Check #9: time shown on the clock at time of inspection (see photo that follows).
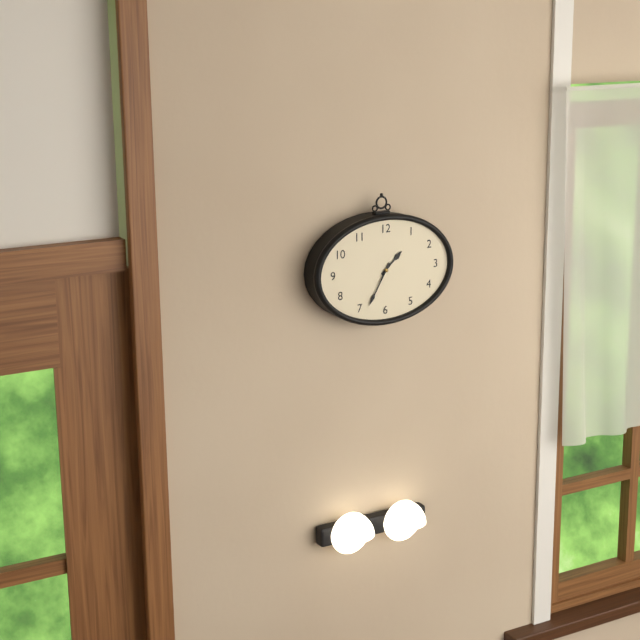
1:35
